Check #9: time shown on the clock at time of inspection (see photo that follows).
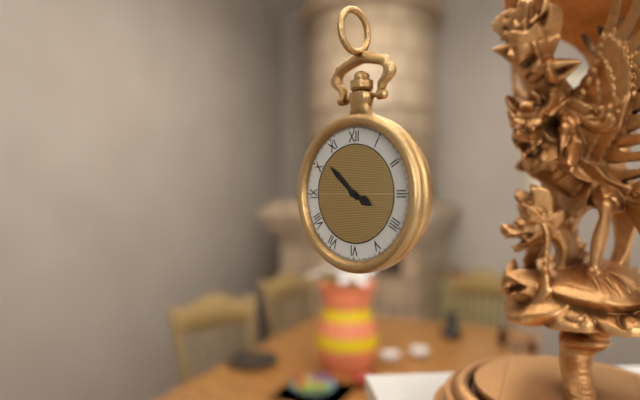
3:52
